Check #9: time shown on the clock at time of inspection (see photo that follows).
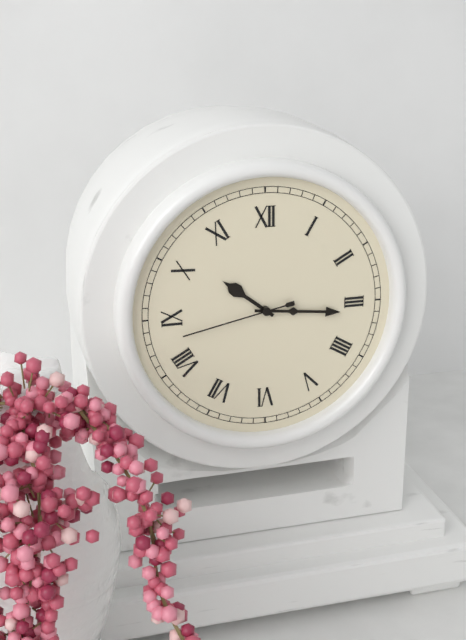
10:16:43
